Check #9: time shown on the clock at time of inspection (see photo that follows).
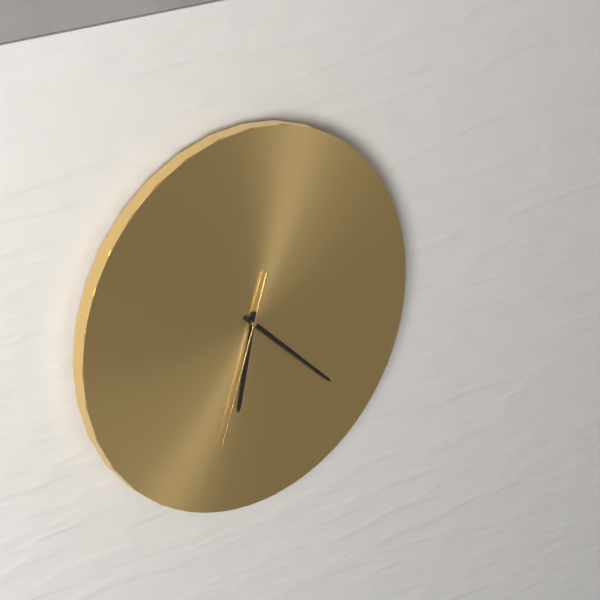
6:22:33
